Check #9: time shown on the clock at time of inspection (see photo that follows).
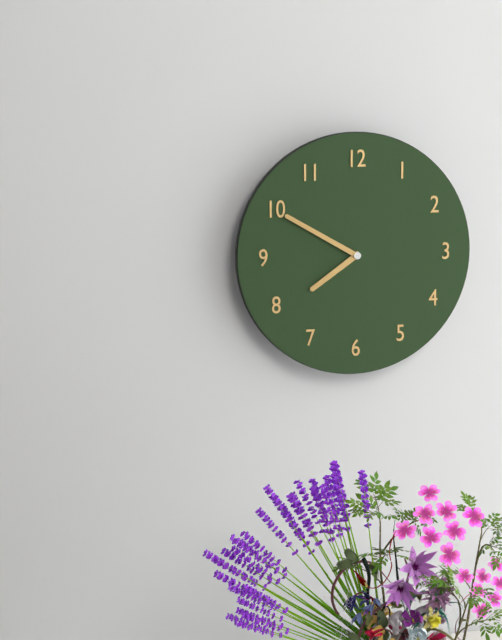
7:50
